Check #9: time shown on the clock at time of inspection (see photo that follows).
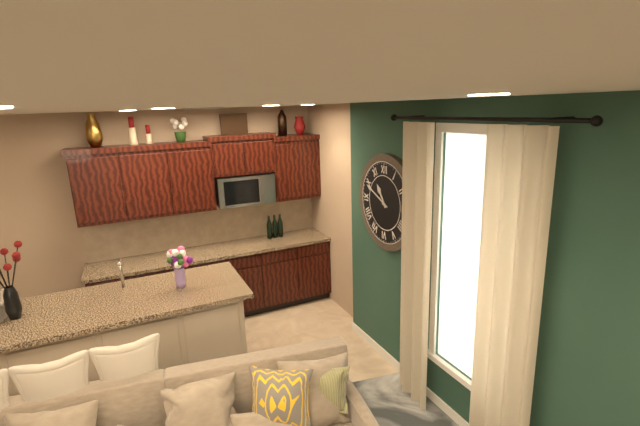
10:49
